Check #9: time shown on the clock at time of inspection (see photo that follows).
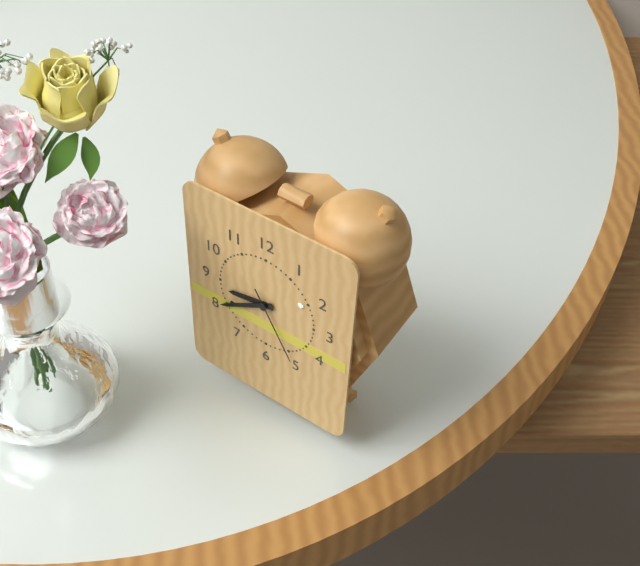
8:40:25
